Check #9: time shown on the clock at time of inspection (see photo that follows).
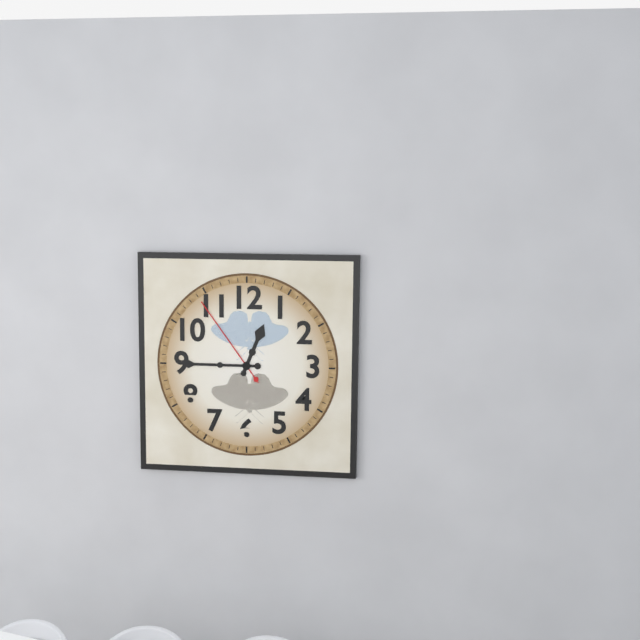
12:45:54
